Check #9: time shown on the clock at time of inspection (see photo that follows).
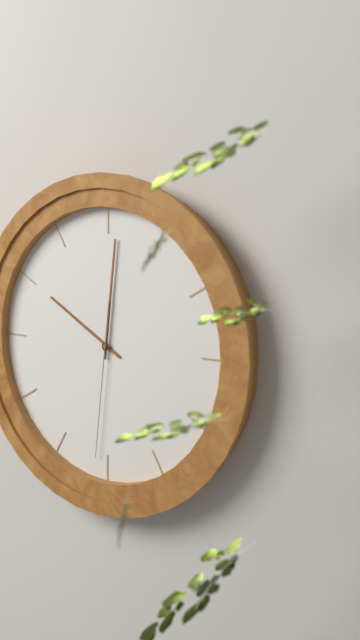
10:01:31
